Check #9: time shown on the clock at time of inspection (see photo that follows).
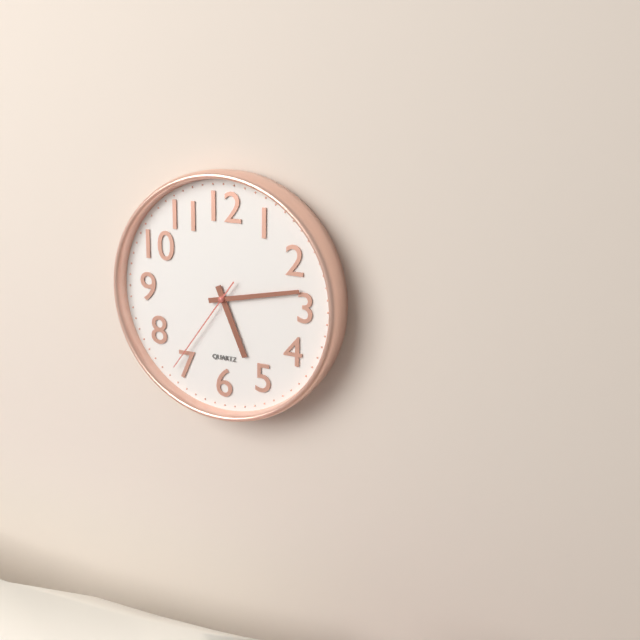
5:13:36
